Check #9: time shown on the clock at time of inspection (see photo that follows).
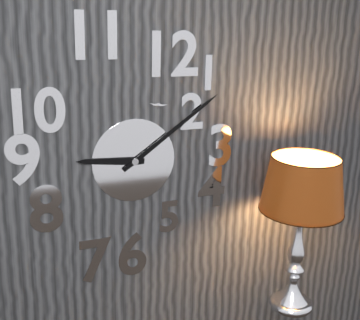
9:09
